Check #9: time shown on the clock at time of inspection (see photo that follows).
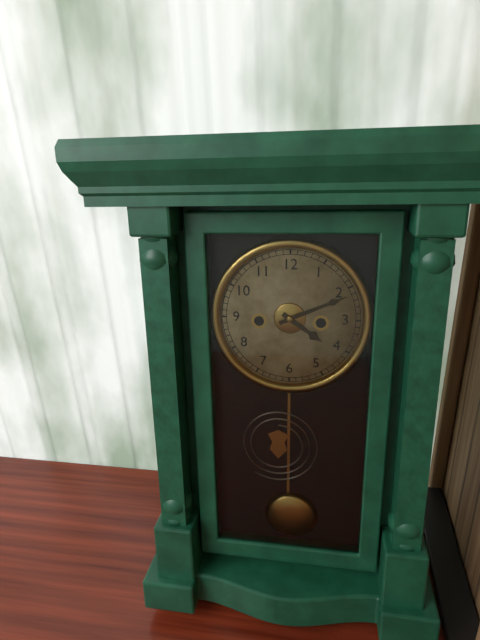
4:11
